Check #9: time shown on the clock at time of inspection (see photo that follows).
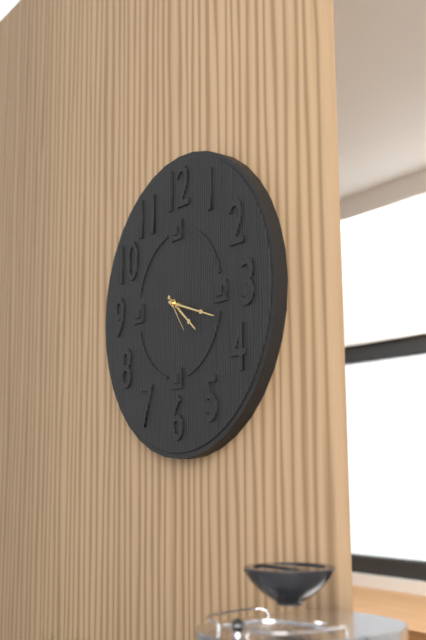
4:18
